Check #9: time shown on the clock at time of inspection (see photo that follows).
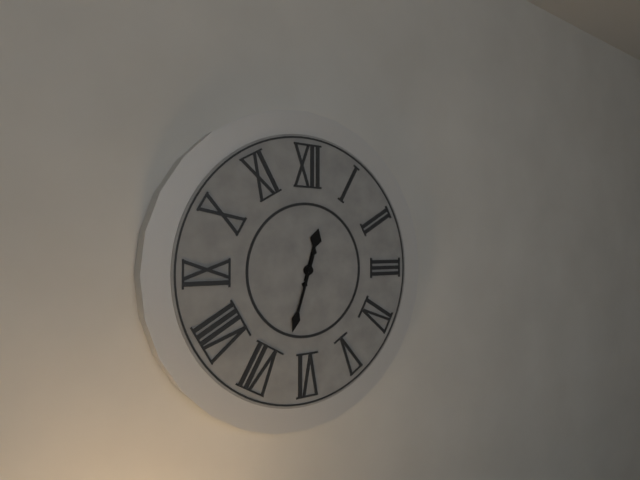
12:33
